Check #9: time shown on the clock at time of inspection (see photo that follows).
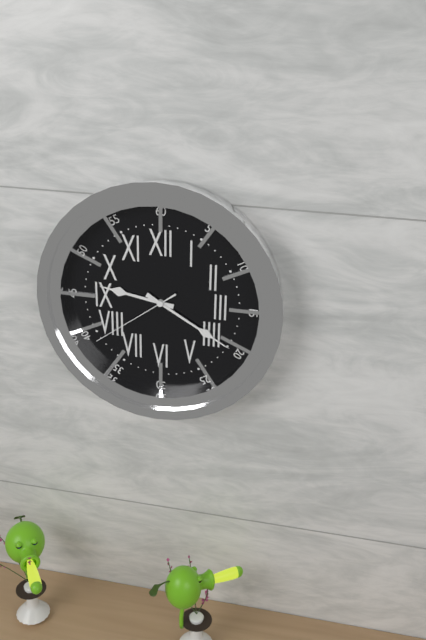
9:20:39
